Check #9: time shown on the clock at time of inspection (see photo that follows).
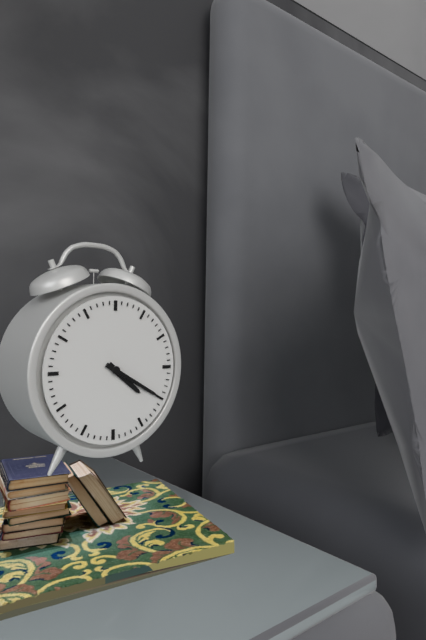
4:20
